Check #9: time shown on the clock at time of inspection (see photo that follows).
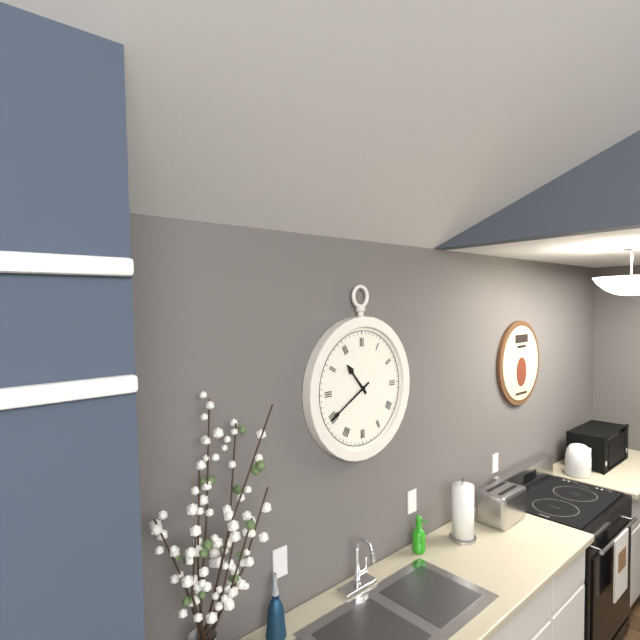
10:40
